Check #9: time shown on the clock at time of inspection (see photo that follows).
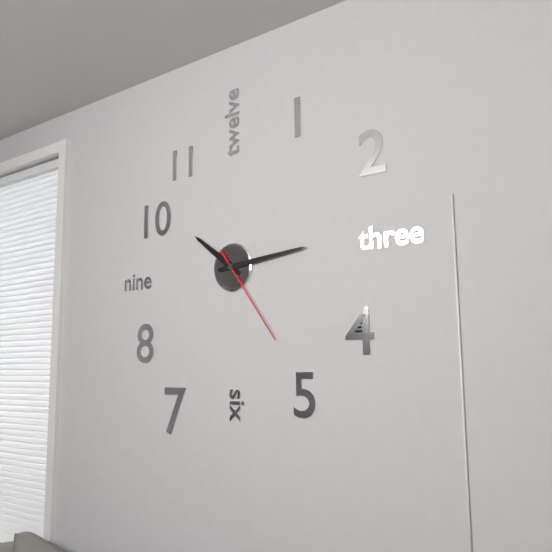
10:14:24
